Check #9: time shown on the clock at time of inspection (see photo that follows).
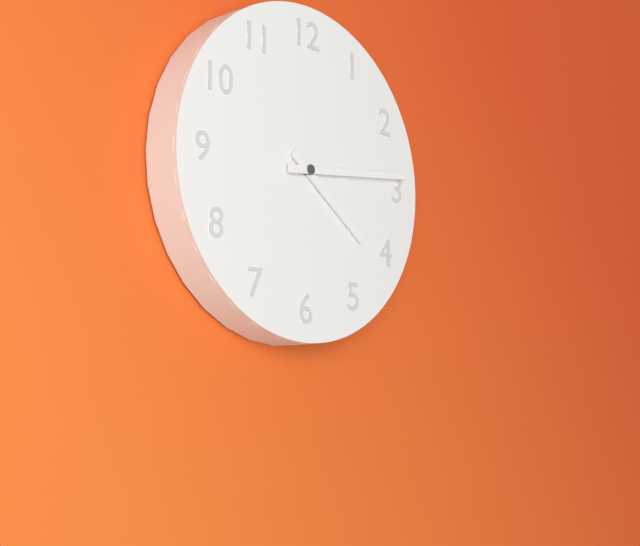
4:14
